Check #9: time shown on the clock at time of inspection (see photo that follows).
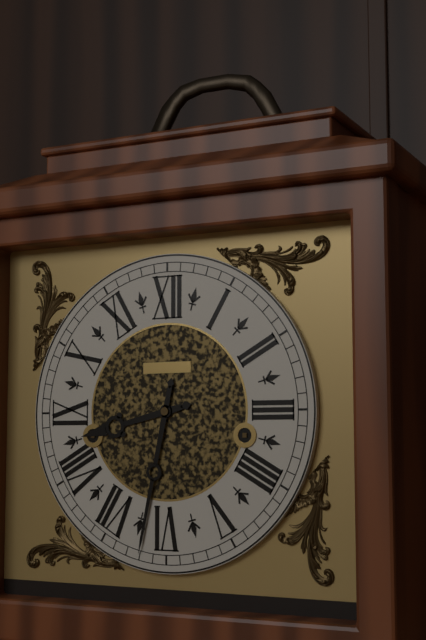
8:32
